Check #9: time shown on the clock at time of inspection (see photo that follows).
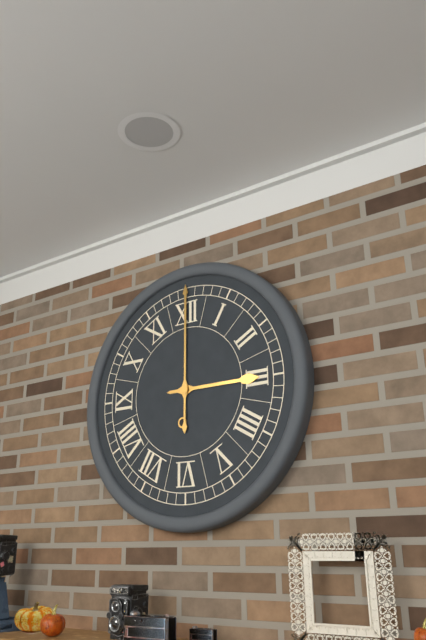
3:00
